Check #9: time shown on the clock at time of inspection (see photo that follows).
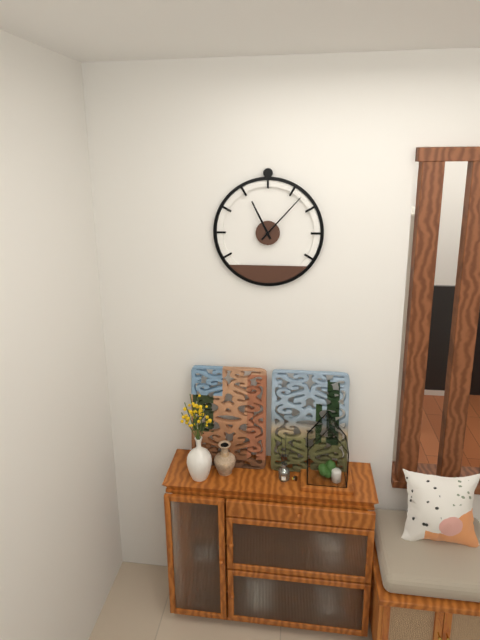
11:07
